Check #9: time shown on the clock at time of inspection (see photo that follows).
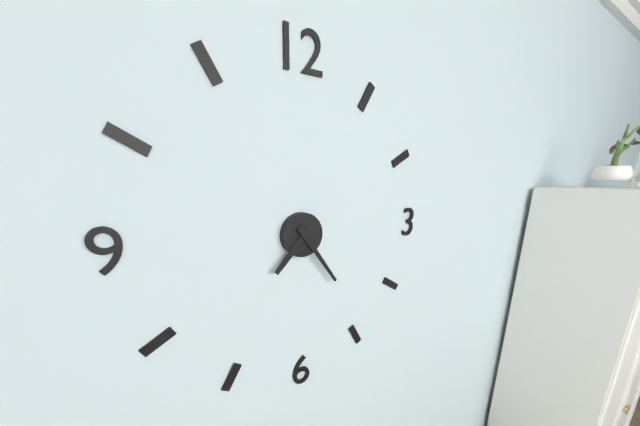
7:24
